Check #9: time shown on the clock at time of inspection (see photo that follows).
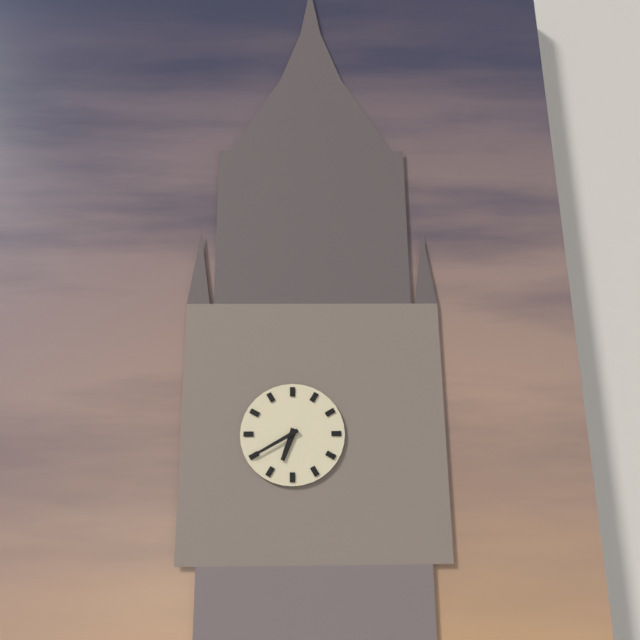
6:40
